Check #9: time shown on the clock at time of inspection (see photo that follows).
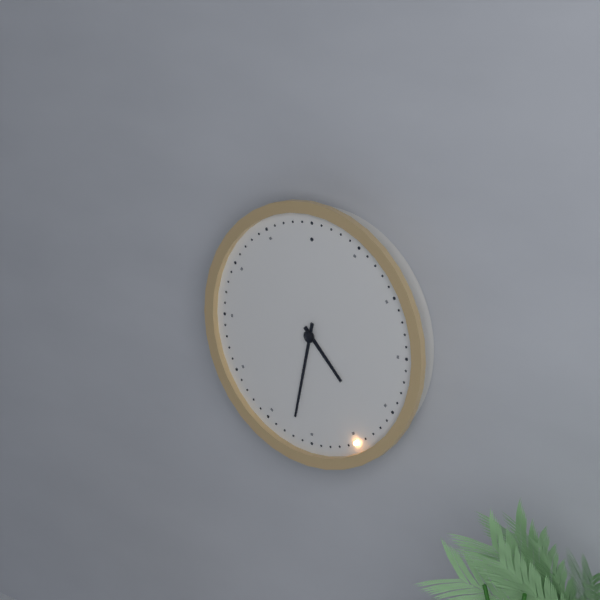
4:32
